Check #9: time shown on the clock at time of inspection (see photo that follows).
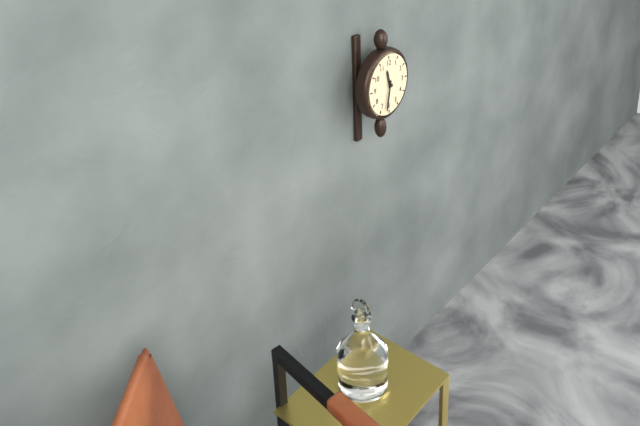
11:32
